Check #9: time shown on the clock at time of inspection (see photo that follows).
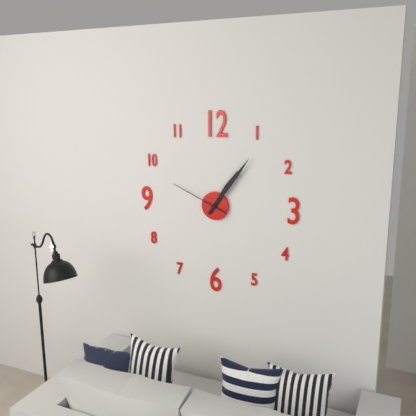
1:06:49
